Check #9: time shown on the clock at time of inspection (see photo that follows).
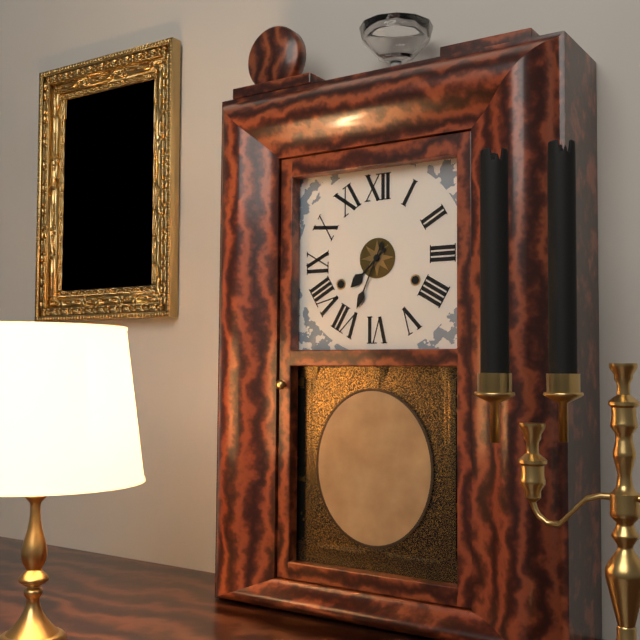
7:34
